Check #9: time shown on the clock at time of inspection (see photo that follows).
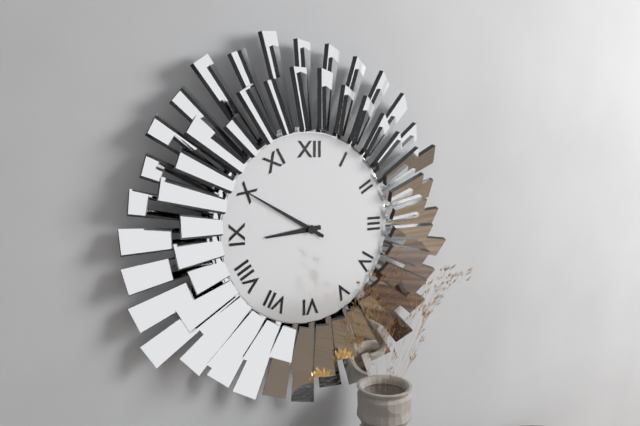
8:50
